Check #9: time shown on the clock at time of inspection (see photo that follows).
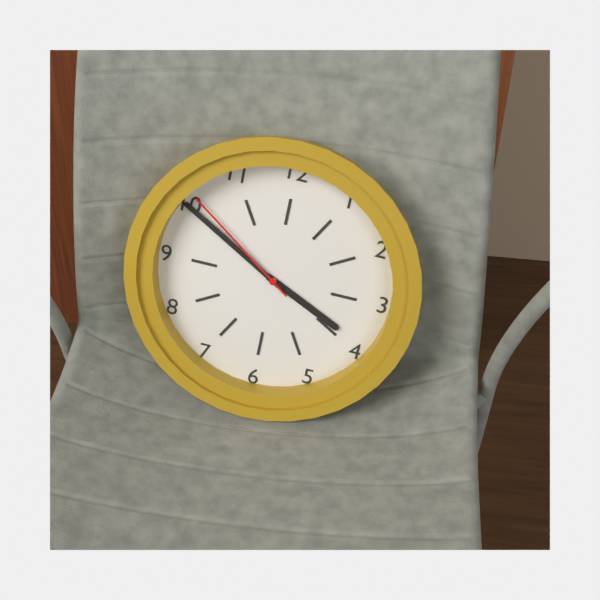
3:50:51
